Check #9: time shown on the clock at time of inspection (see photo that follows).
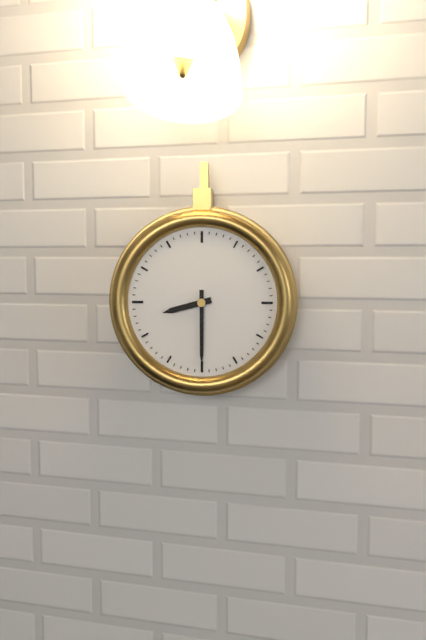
8:30
